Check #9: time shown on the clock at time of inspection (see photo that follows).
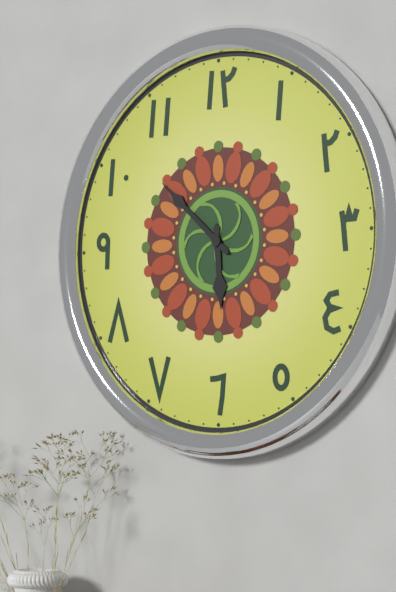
5:52
